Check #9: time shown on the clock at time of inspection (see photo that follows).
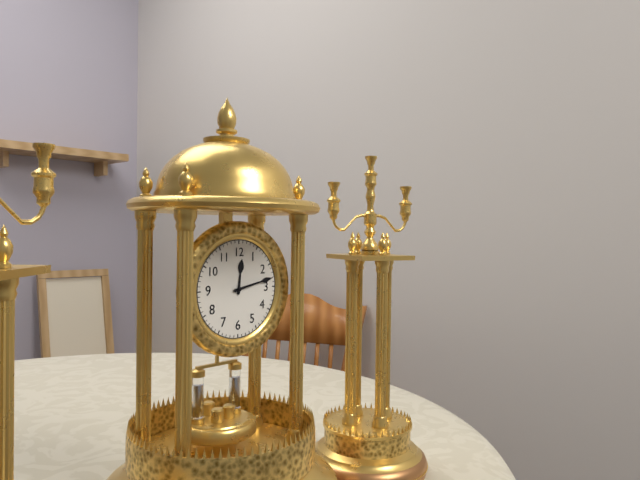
12:13
